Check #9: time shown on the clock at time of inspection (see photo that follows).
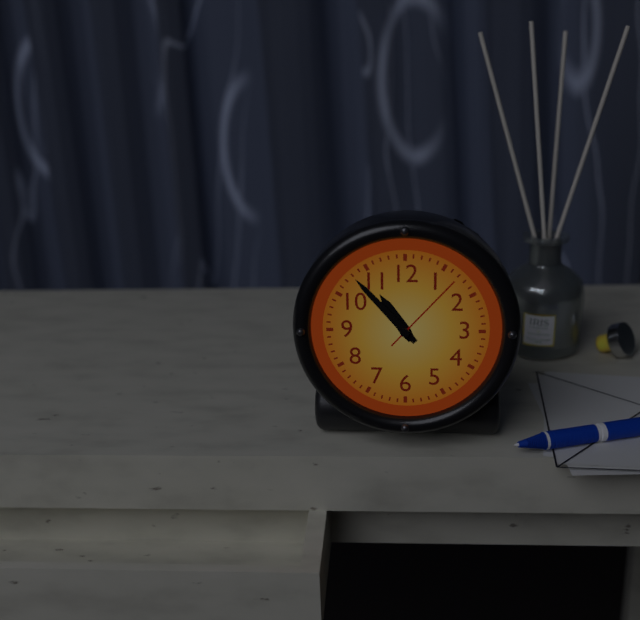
10:53:07
